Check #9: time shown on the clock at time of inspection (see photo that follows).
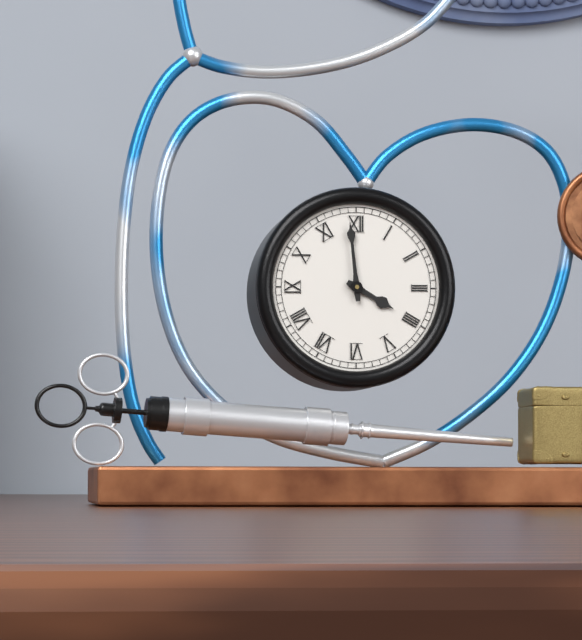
3:59
